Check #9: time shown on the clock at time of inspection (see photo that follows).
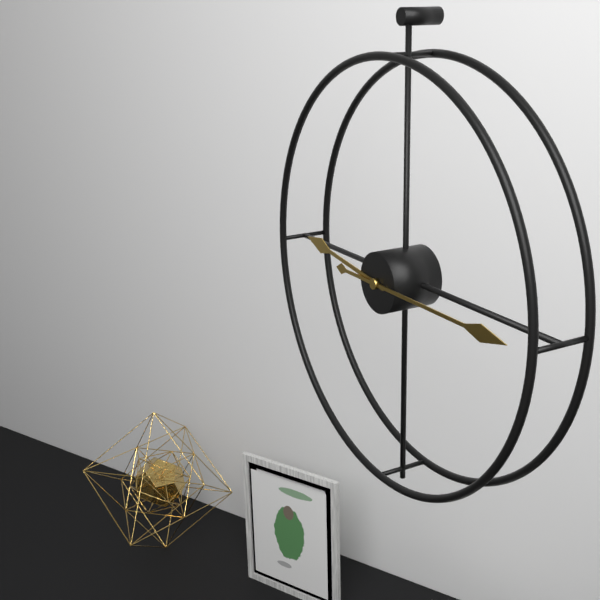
9:15
